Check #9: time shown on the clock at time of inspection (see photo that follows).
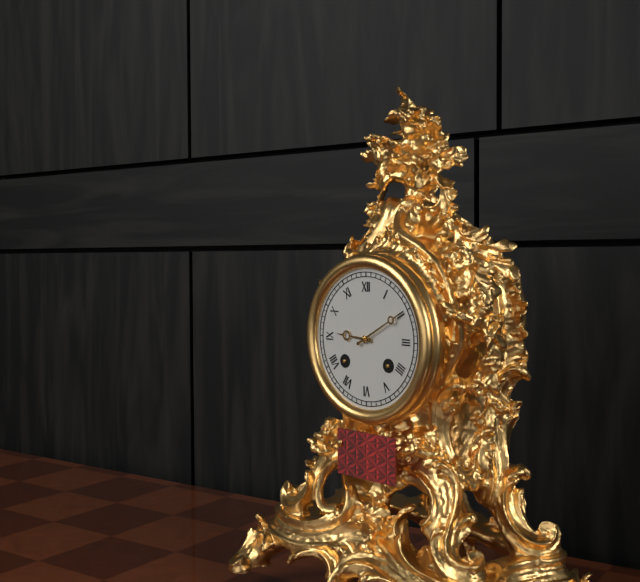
9:10
